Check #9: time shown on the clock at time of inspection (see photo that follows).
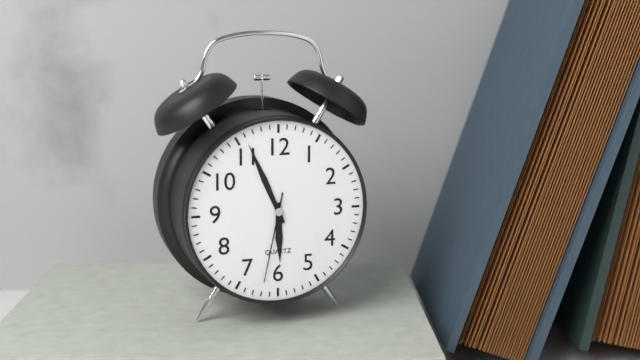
5:56:32
